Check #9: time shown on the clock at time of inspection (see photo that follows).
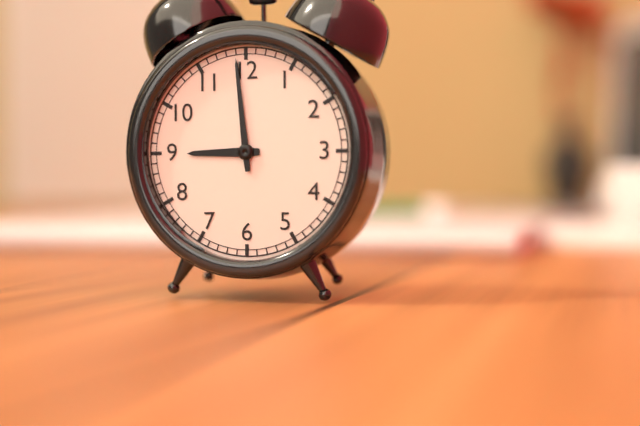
8:59
